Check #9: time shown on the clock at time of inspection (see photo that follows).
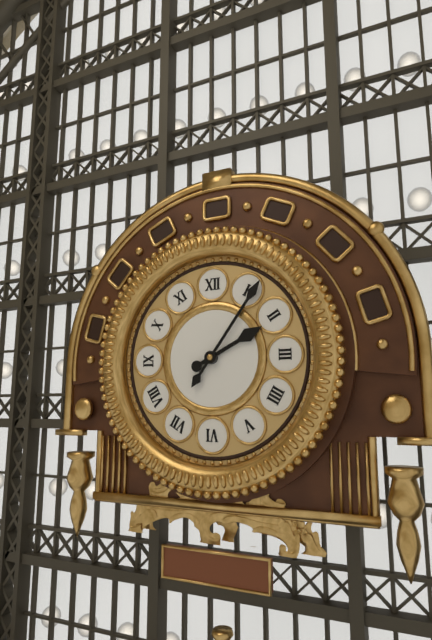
2:06
